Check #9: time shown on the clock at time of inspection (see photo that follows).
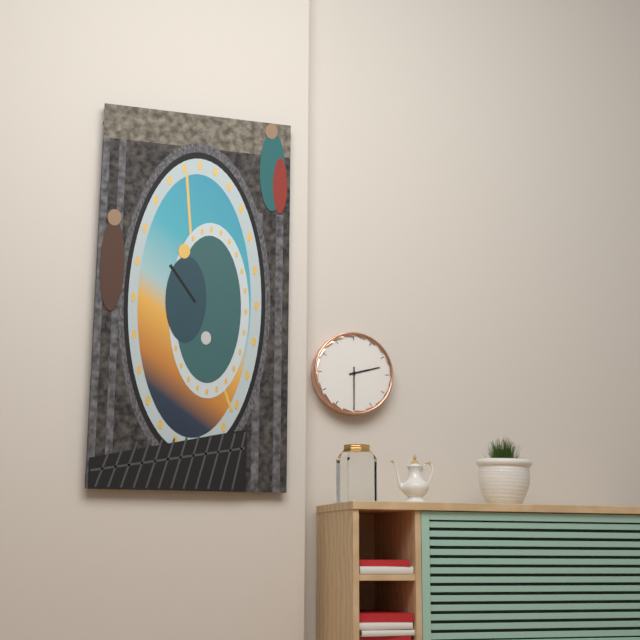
2:30
